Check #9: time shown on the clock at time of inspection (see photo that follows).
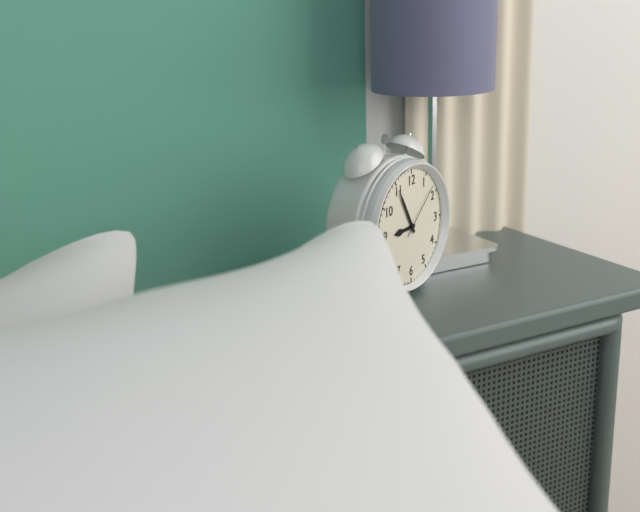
8:55:08
